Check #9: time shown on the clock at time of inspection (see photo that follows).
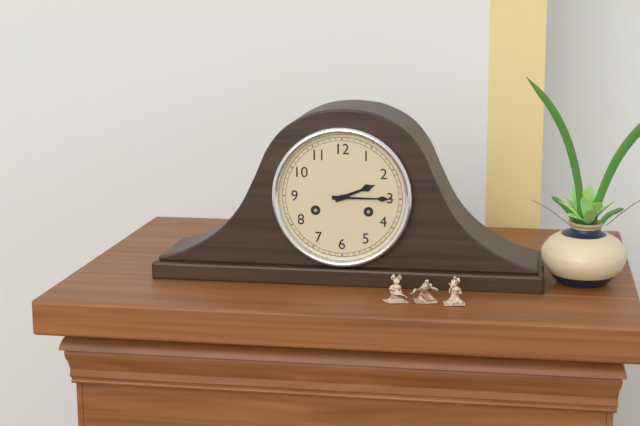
2:15
